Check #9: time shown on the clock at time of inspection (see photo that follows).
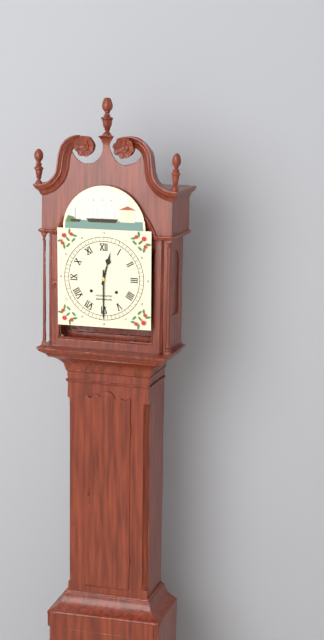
12:30
